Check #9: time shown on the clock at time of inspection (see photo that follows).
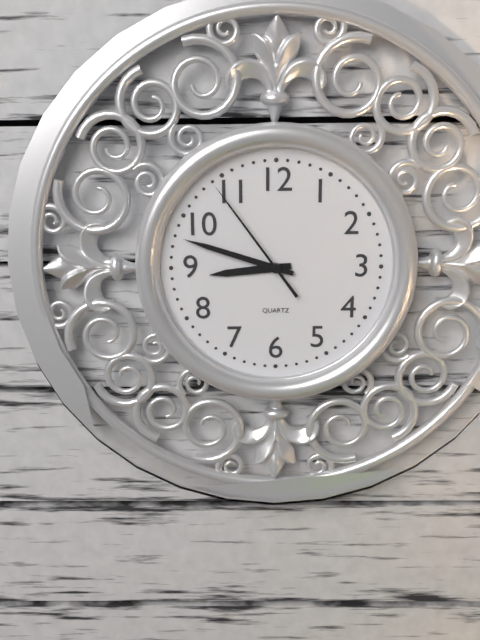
8:48:54
